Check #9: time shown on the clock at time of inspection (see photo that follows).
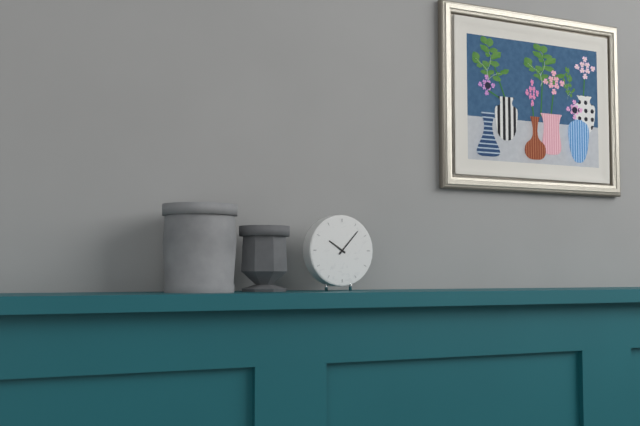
10:07
